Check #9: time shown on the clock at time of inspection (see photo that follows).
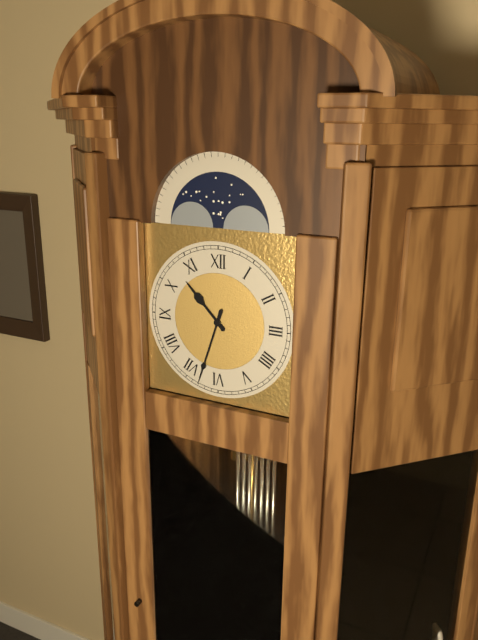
10:33
